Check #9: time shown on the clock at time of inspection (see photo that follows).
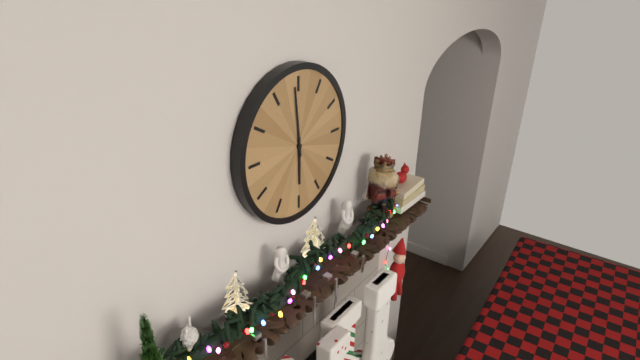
5:59
